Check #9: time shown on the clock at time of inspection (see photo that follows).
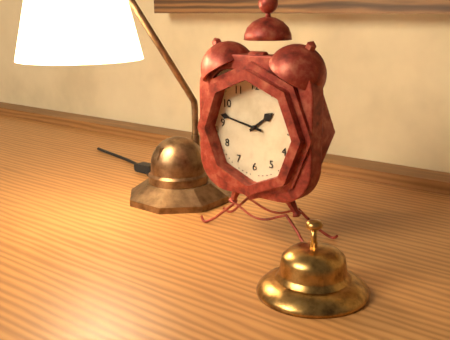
1:47
